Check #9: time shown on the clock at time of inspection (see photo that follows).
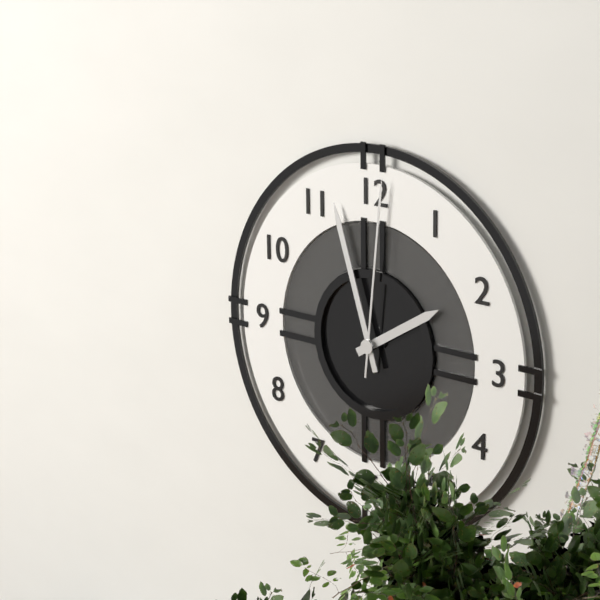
1:57:01
